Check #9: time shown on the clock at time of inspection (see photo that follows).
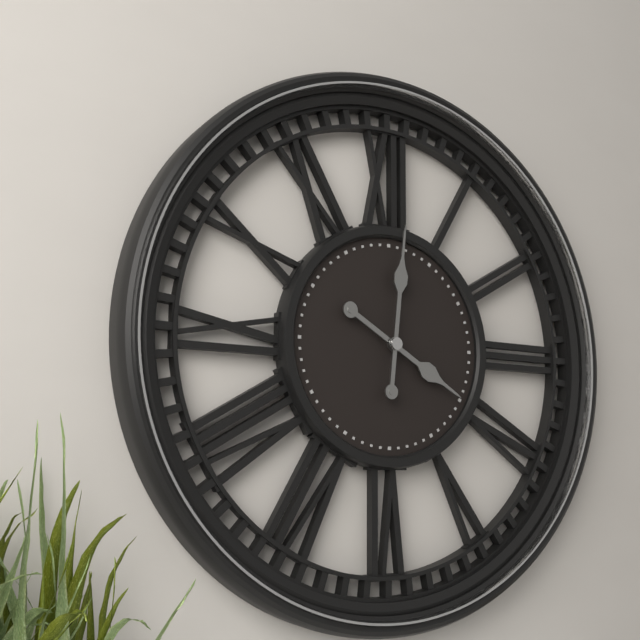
4:01
